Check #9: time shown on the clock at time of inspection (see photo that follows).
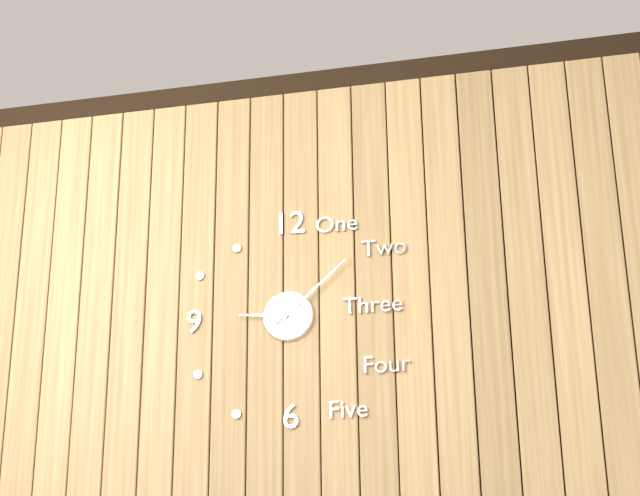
9:08
